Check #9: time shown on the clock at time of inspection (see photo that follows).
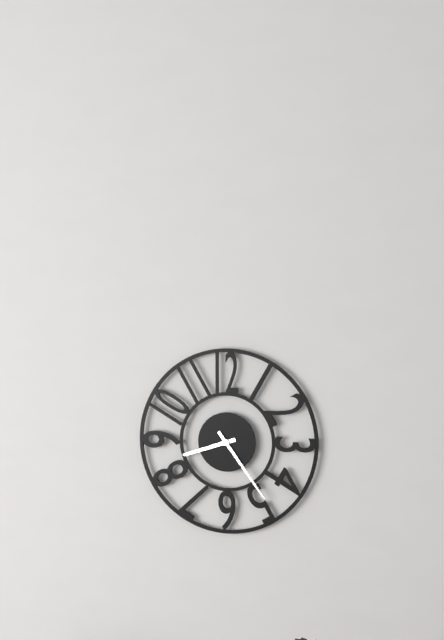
8:24
